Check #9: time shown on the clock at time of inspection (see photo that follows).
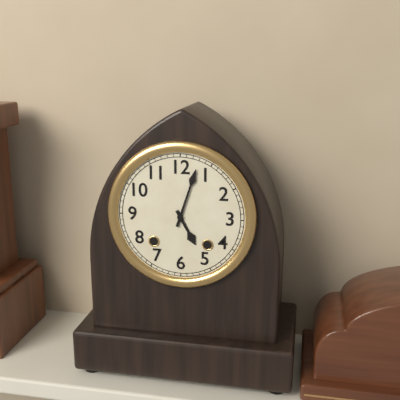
5:03
